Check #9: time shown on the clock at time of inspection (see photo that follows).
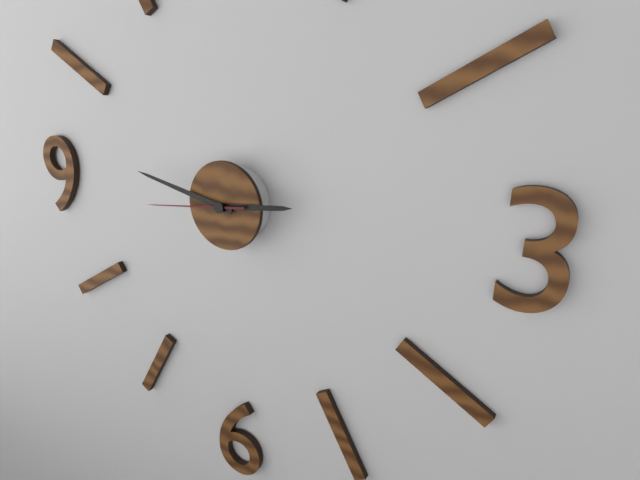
2:47:44
